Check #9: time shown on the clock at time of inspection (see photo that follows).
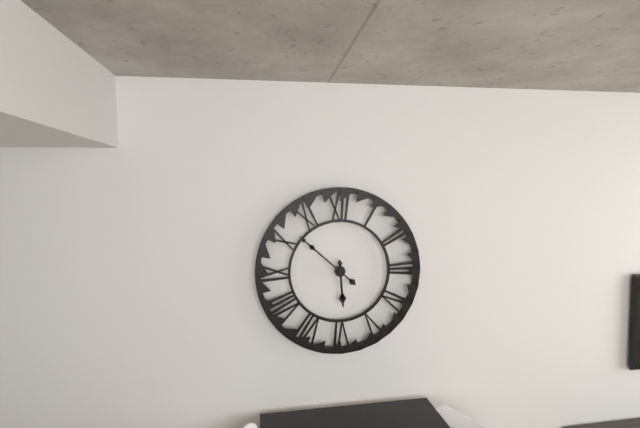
5:52
